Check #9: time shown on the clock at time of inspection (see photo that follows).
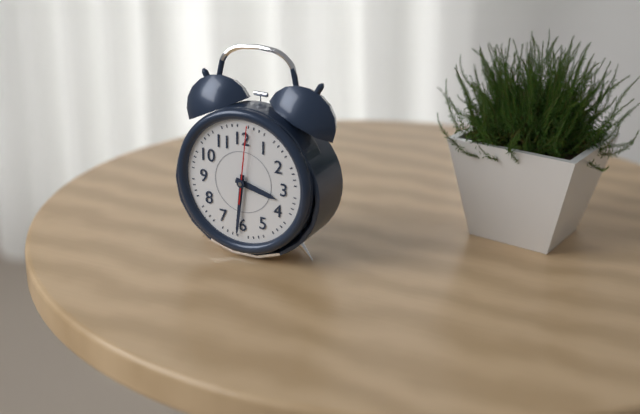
3:31:01
